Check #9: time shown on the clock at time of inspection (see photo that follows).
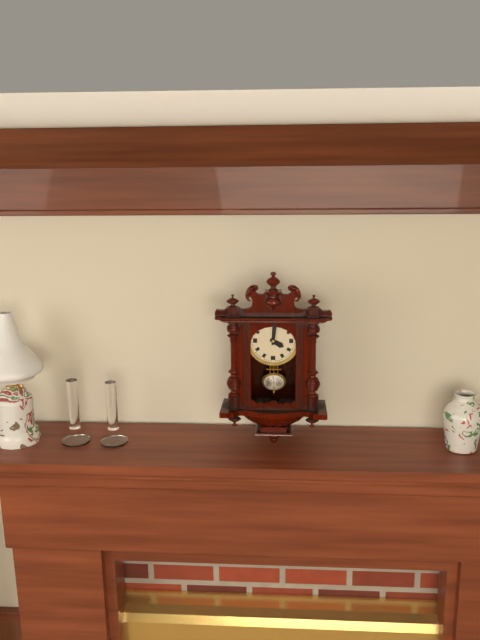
4:01
